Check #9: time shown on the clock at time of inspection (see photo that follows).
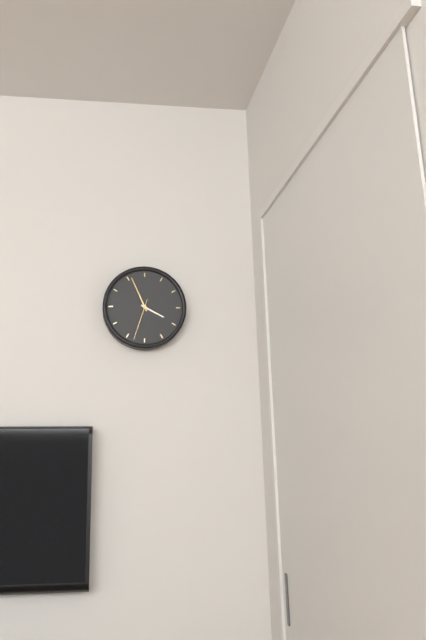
3:56
